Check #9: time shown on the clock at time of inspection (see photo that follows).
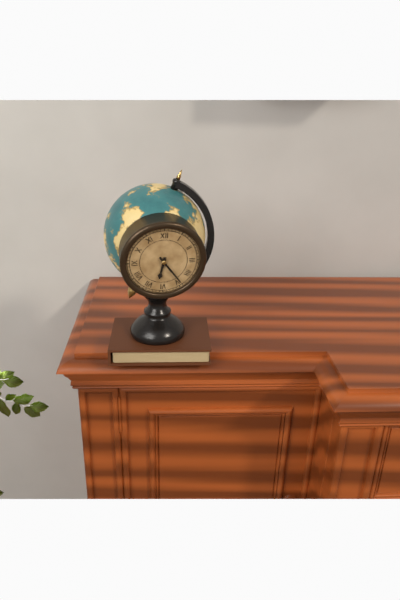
6:24
